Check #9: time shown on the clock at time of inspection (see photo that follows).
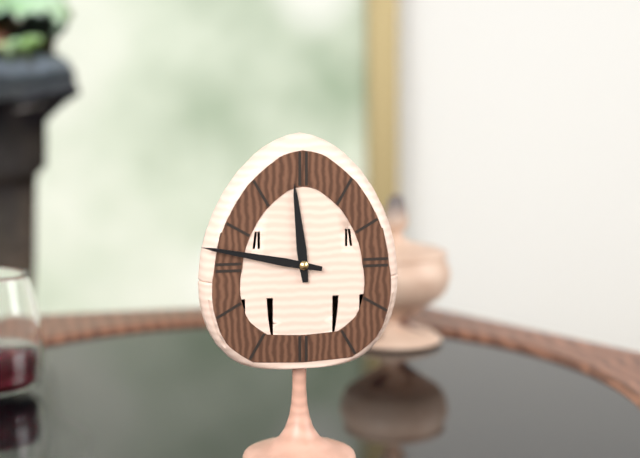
11:47
